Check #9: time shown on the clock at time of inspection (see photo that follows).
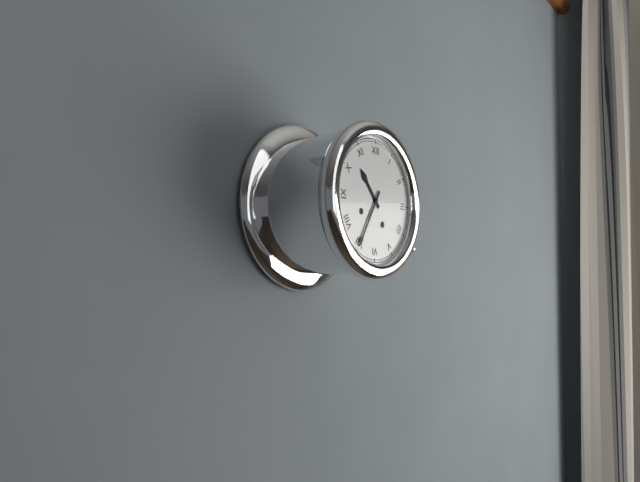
10:35
